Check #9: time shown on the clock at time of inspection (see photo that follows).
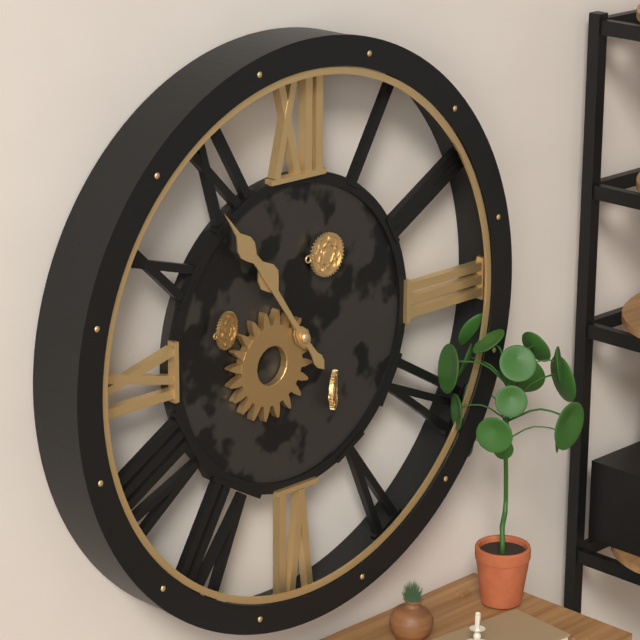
10:54
